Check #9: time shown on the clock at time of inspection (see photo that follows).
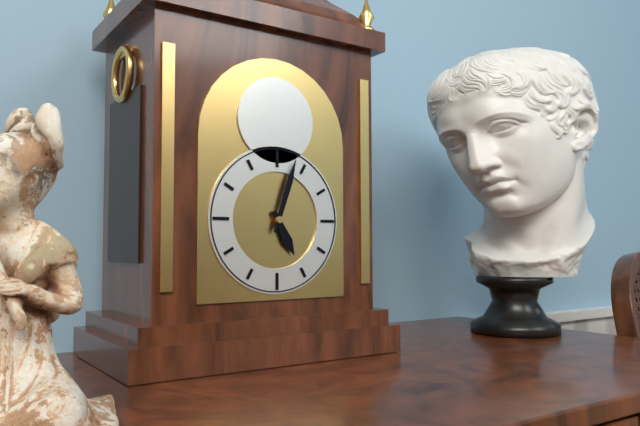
5:03
